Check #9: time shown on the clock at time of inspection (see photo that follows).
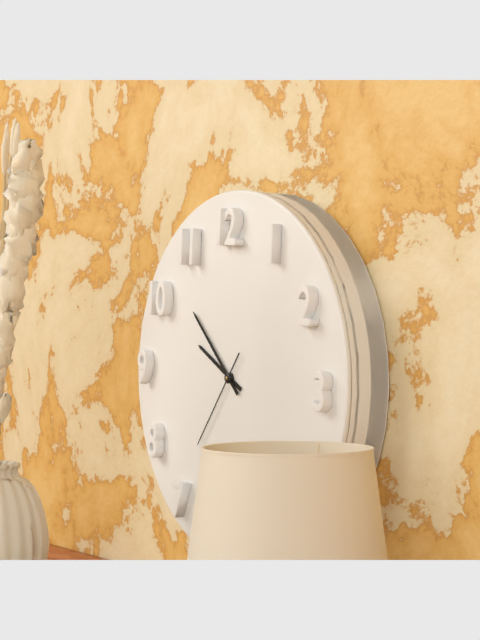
9:52:36
